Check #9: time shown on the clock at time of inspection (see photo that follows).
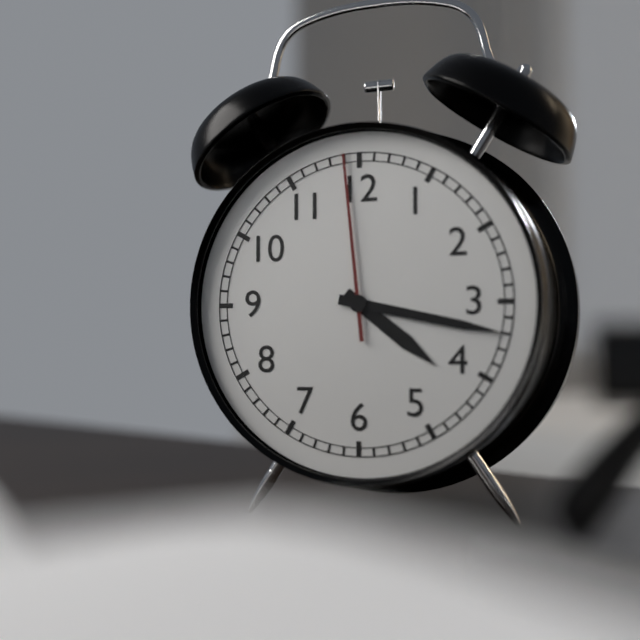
4:17:59
